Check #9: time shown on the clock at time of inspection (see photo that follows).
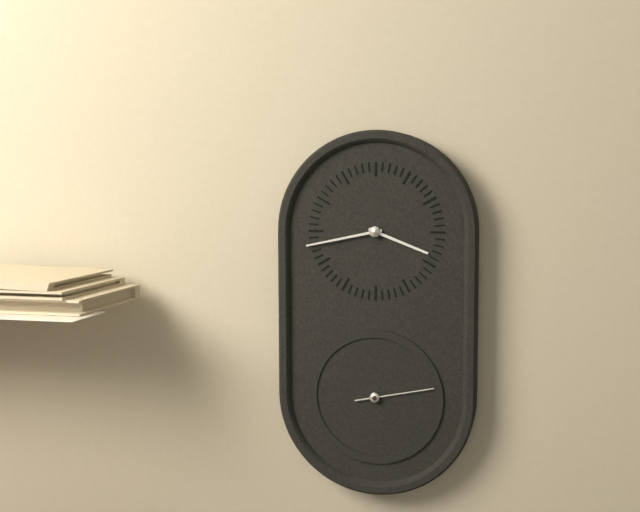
3:43:13
